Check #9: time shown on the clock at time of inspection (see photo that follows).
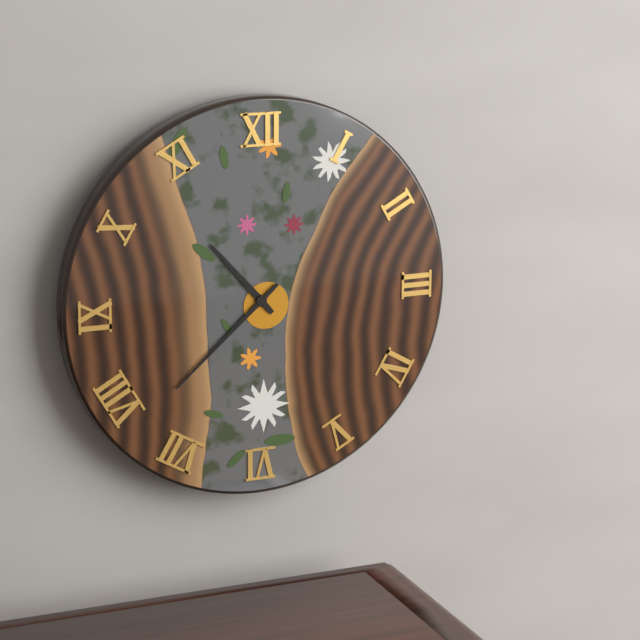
10:38
